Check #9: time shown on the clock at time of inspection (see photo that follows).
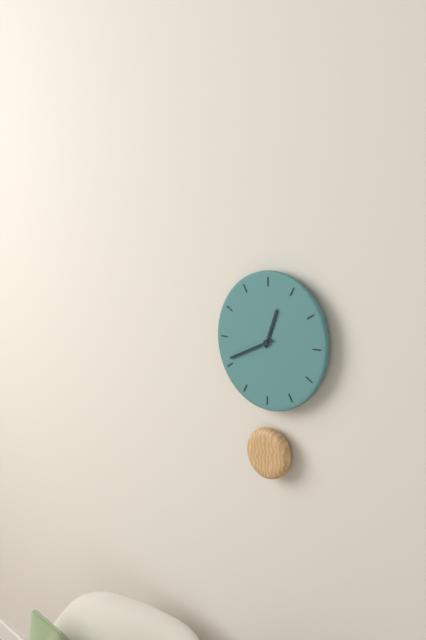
12:41
